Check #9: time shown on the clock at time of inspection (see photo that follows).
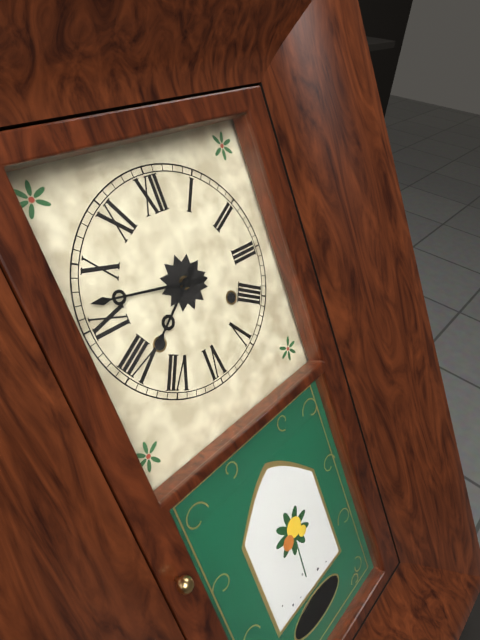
7:47
